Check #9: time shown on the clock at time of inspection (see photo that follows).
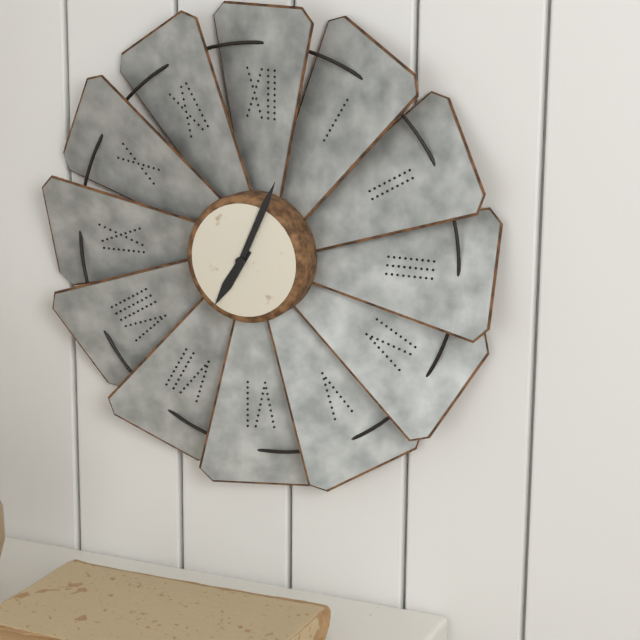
7:04
